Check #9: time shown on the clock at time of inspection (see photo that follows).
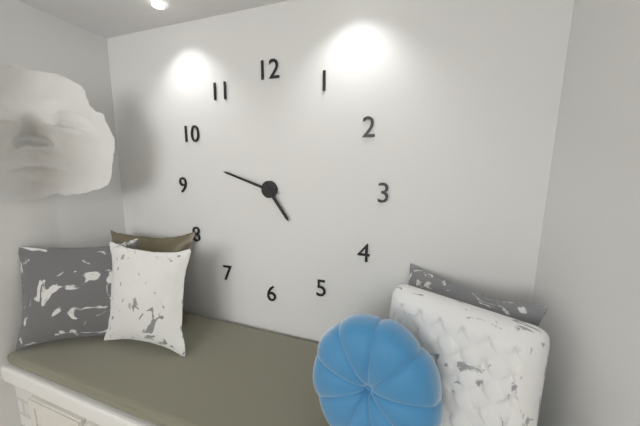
4:48
